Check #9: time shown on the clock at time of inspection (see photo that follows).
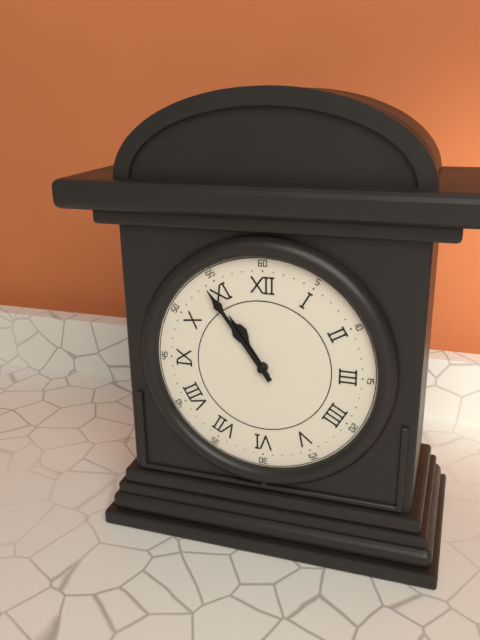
10:54
